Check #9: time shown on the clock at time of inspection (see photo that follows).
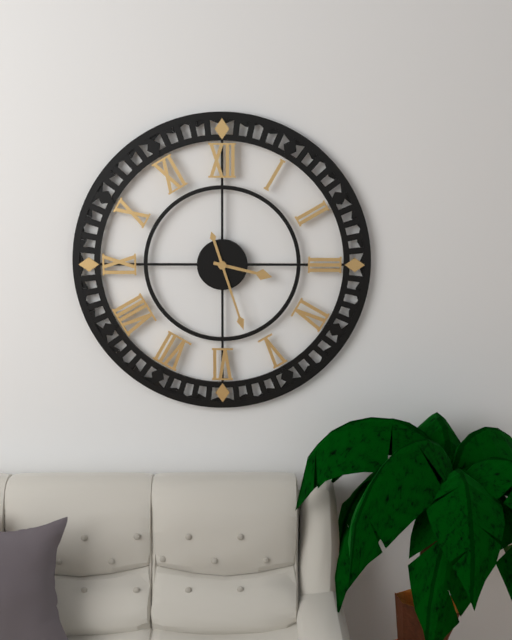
3:27
